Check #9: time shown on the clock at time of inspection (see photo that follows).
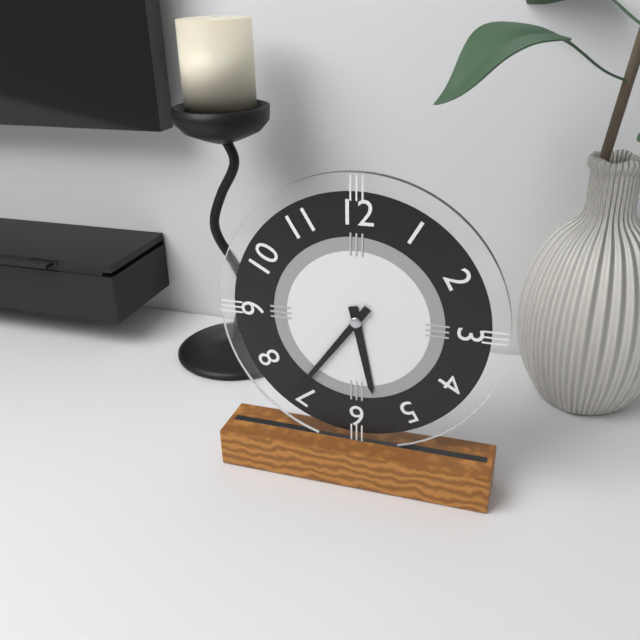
5:36
